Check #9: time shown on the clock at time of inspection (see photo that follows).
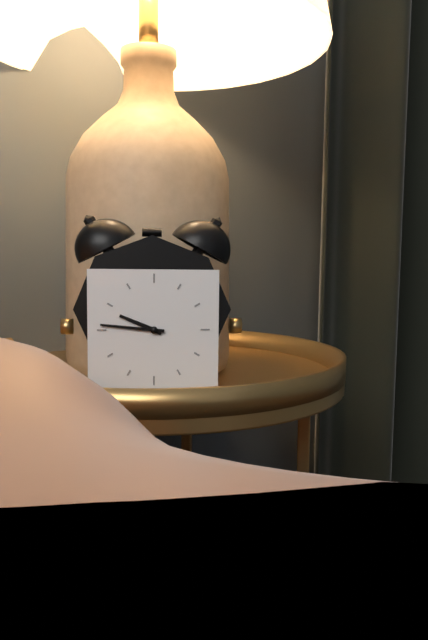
9:46
